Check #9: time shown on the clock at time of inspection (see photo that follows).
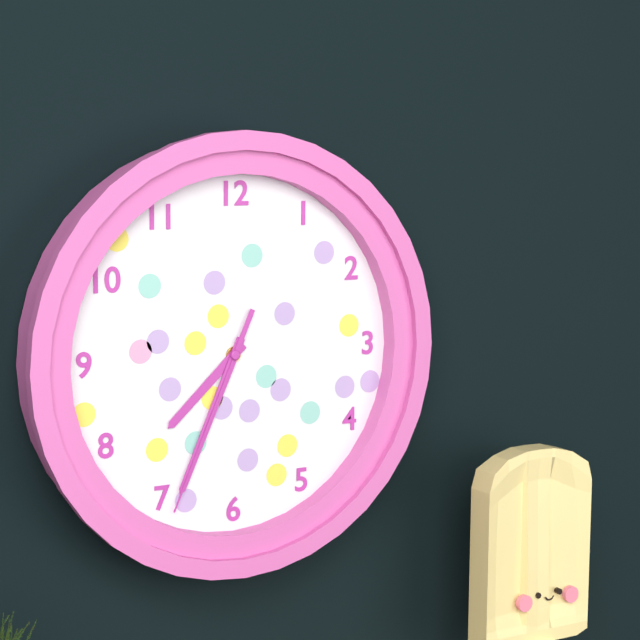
7:34:34
